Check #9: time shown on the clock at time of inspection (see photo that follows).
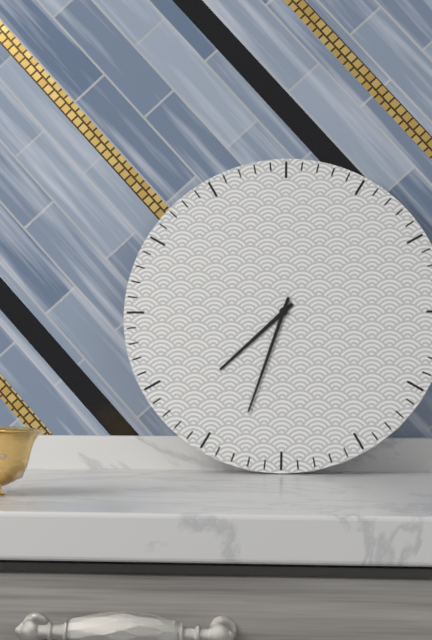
7:33
